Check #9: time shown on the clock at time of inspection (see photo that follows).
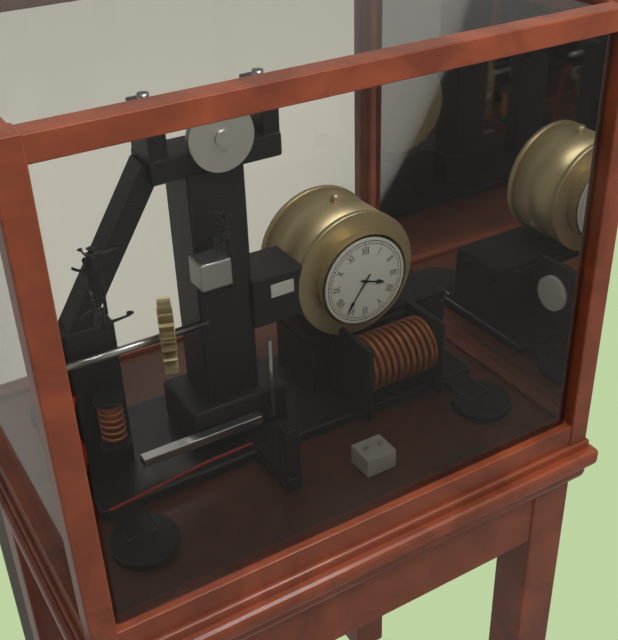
3:36
